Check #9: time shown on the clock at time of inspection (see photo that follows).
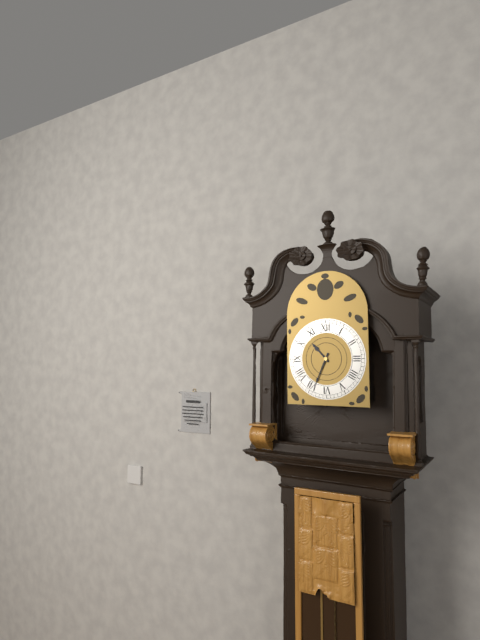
10:34
